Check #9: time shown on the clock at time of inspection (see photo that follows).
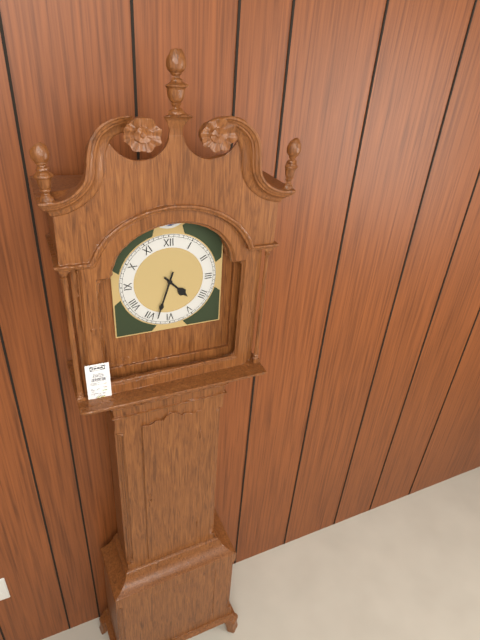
4:33
